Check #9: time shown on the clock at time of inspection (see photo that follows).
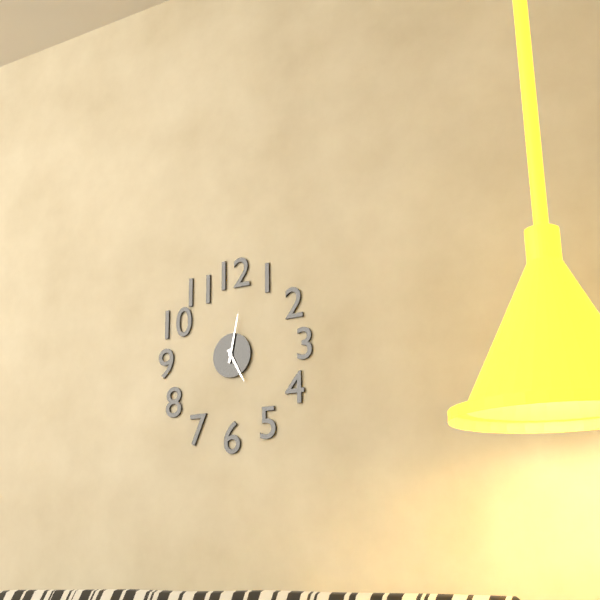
5:02
